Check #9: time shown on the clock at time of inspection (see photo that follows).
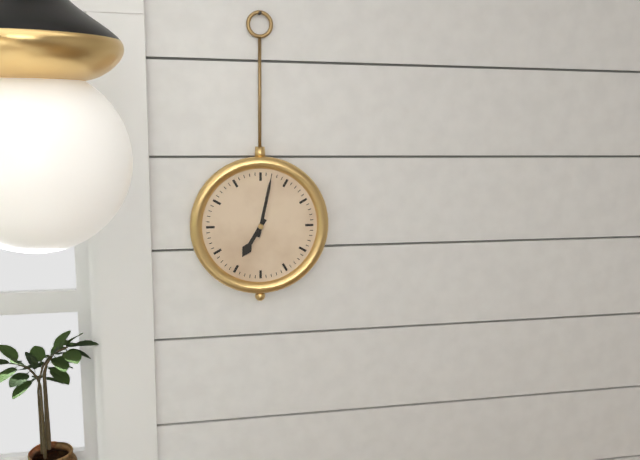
7:02
